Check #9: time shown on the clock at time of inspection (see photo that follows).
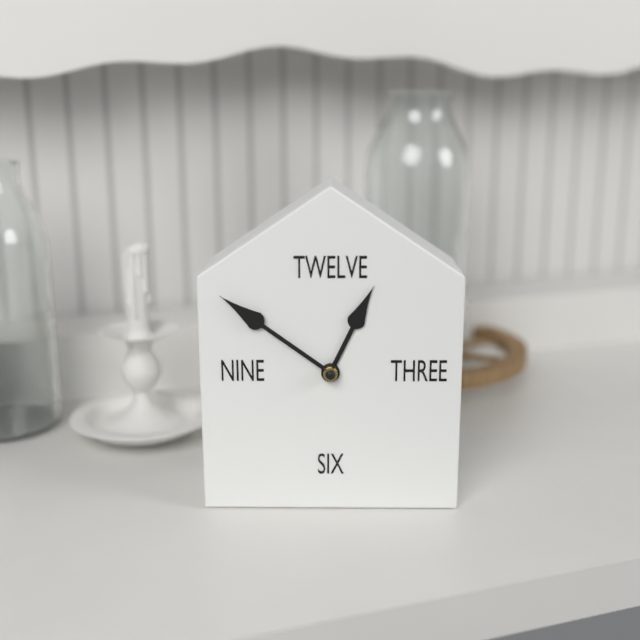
12:51
